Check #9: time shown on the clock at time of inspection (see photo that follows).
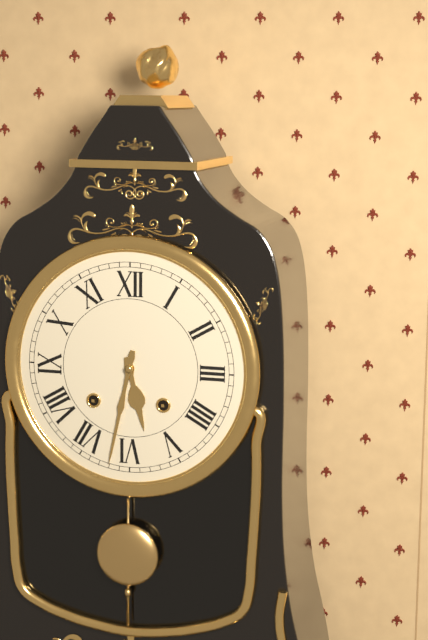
5:32
